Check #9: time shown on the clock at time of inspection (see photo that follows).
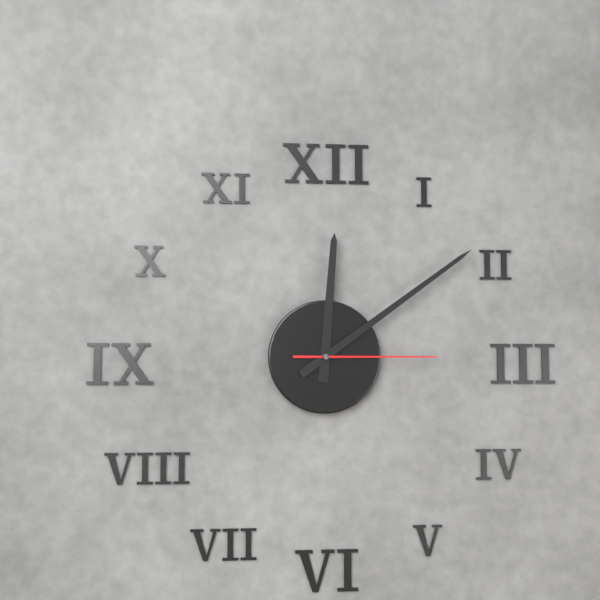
12:09:15
